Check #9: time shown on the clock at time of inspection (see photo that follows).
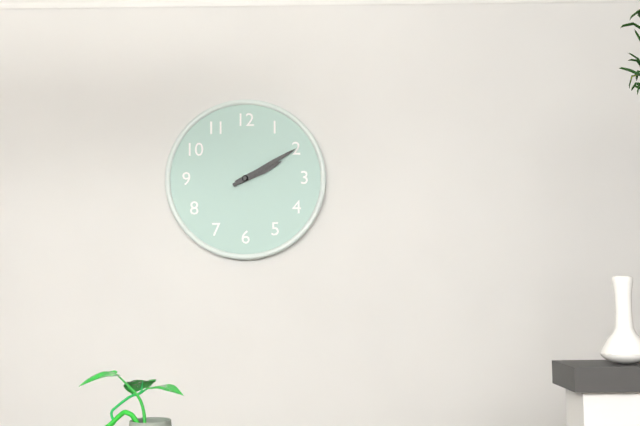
2:10
